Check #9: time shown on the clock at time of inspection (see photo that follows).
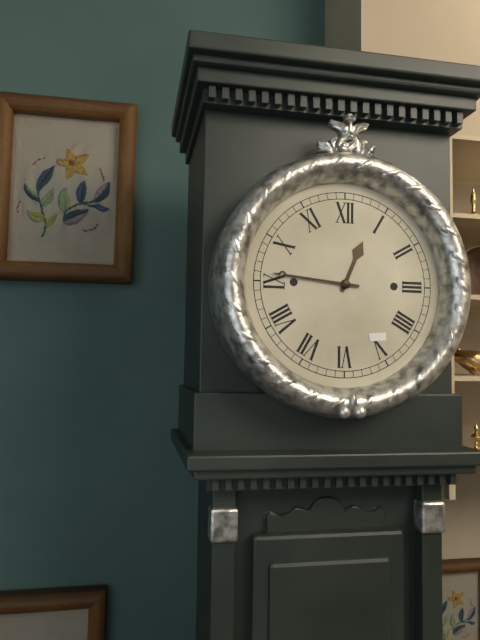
12:46
